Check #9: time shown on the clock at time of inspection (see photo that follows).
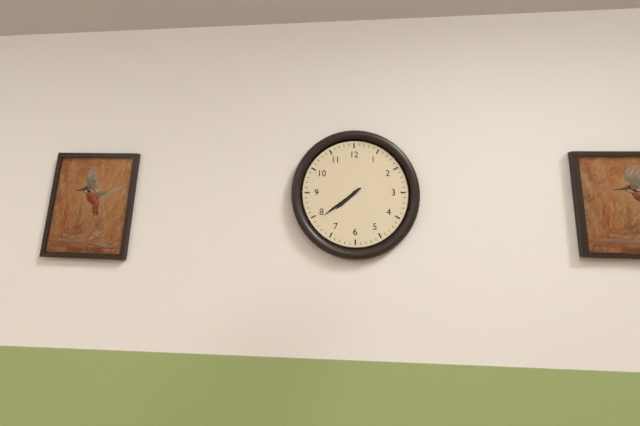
7:39
